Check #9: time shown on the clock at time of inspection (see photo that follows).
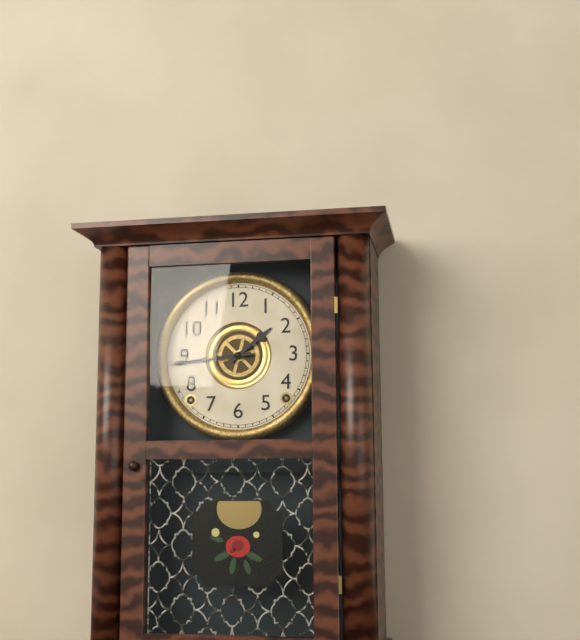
1:44
